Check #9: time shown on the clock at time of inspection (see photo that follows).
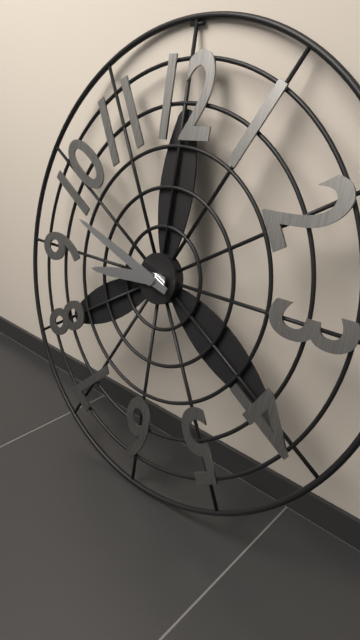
8:48
